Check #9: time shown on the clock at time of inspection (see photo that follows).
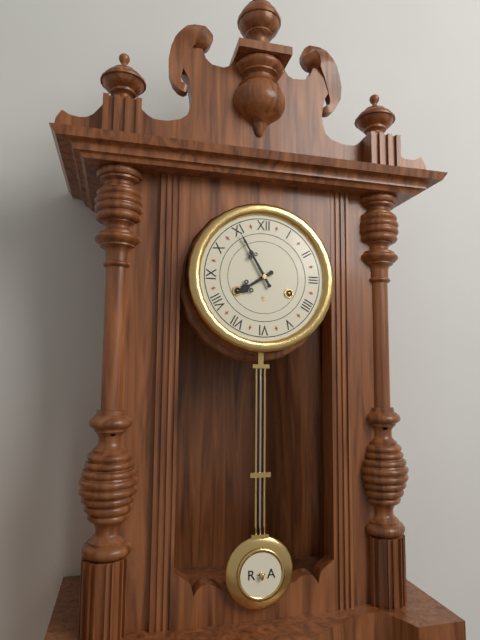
7:55
